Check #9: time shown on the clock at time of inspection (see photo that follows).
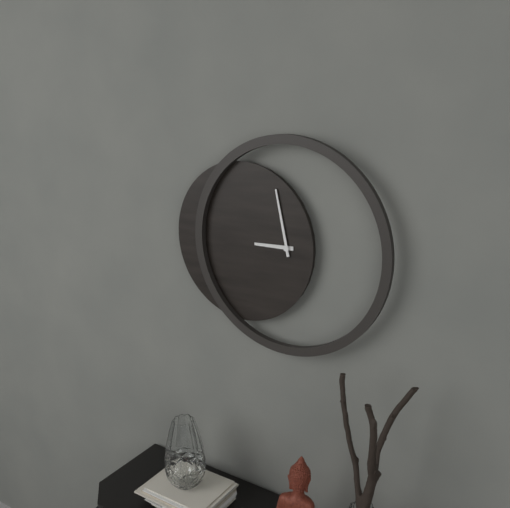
8:58
